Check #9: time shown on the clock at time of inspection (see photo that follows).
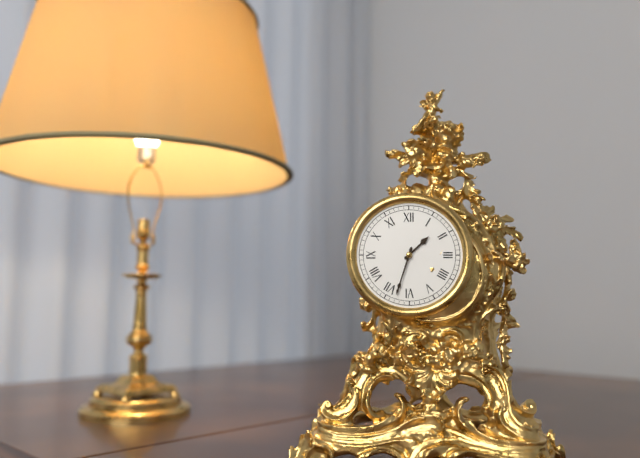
1:33
